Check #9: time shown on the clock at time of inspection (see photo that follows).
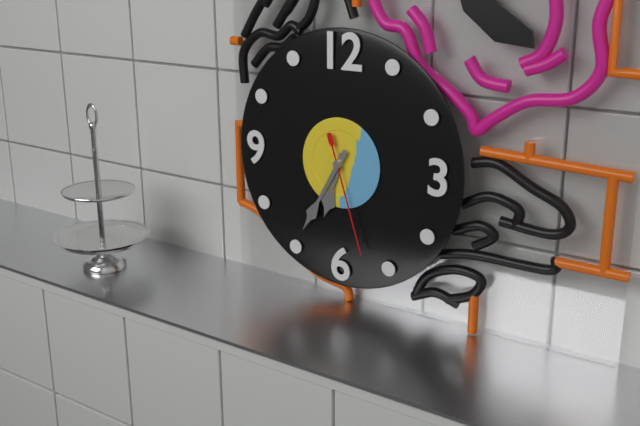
6:35:27
